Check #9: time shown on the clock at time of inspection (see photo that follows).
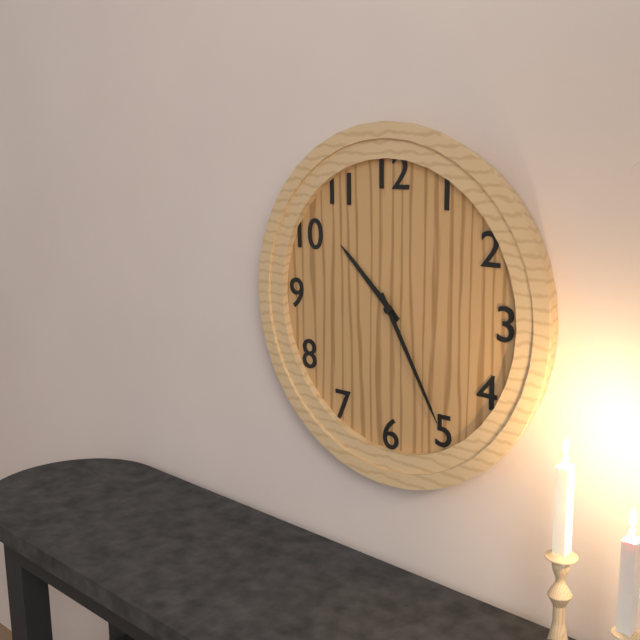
10:25
